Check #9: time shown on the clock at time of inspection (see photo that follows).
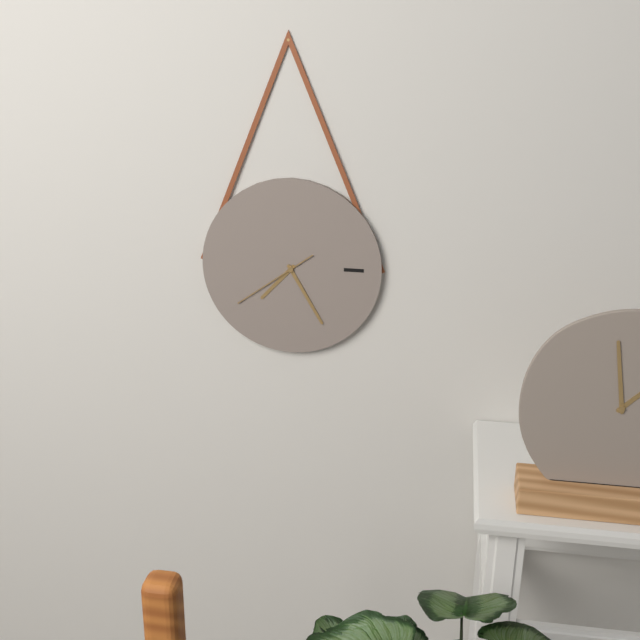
7:25:39
